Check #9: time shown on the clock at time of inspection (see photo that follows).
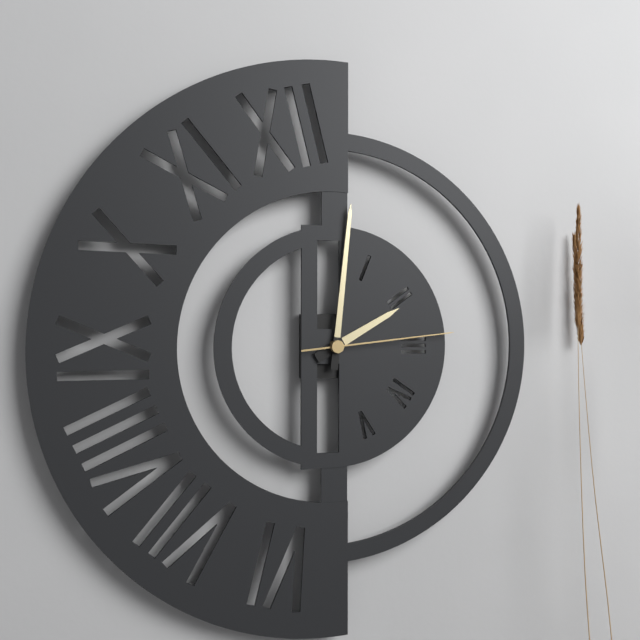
2:01:14
